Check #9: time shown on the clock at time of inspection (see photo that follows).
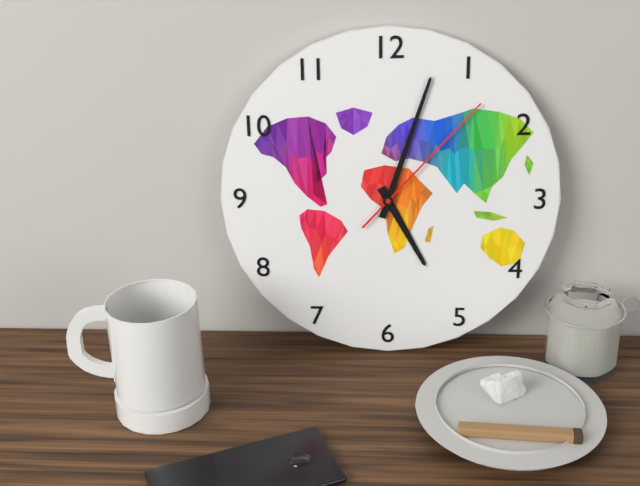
5:03:07
